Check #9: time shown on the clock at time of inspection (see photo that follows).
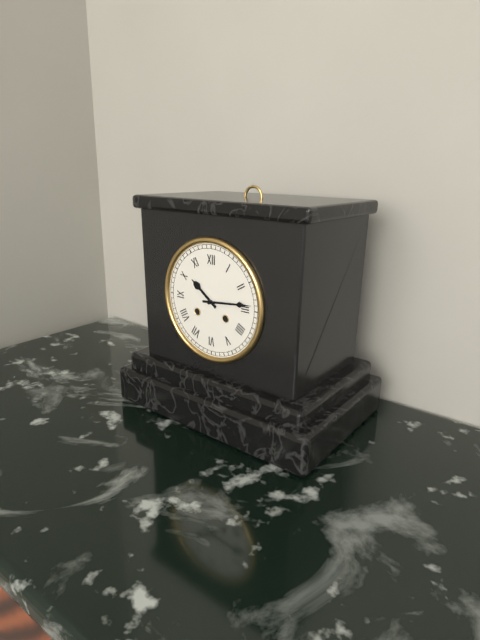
10:14
